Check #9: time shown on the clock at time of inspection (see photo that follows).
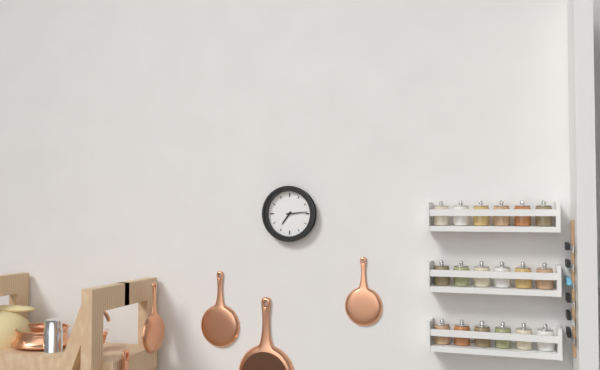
7:14
